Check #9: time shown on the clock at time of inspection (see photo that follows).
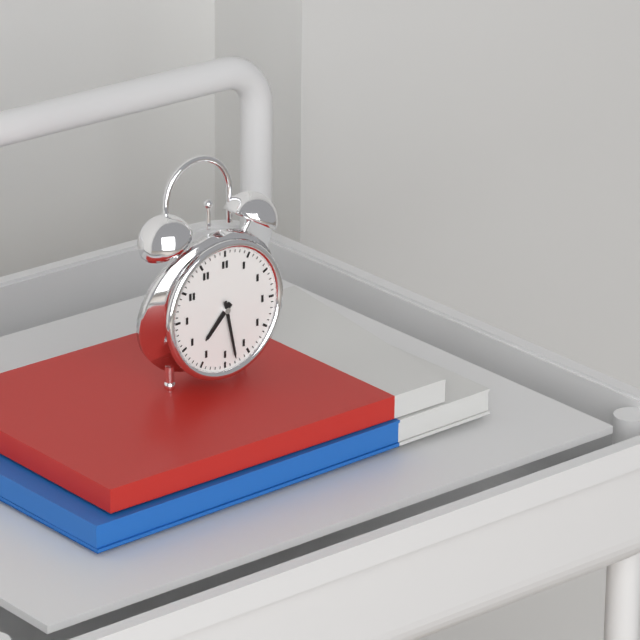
7:28
